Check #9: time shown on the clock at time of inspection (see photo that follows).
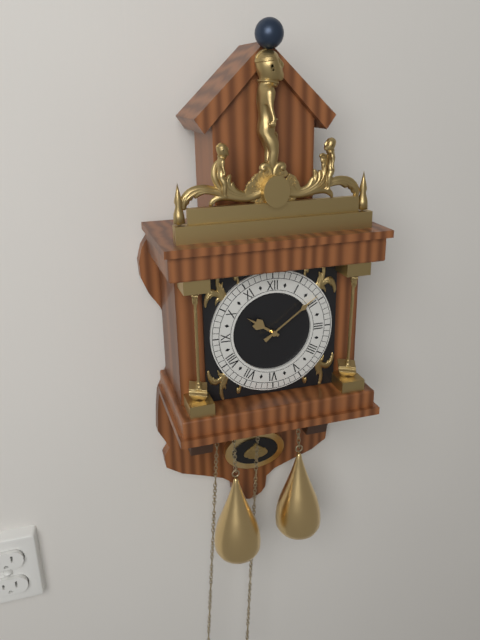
10:09
